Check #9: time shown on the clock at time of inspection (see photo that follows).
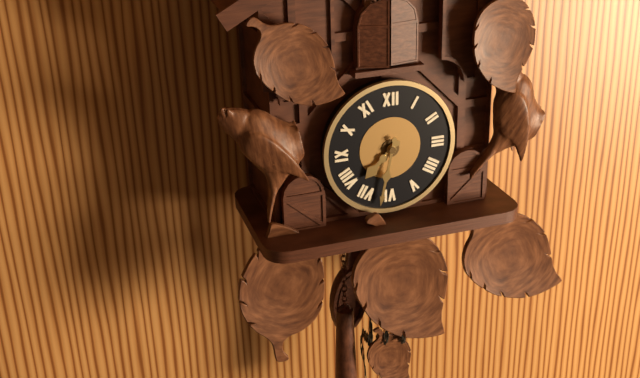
7:32
